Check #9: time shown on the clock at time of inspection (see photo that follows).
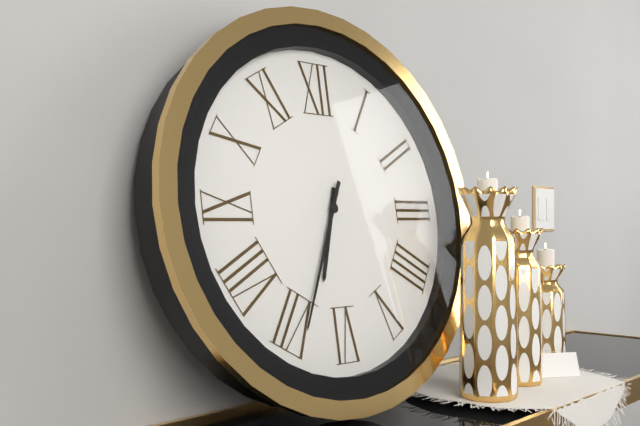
6:34
